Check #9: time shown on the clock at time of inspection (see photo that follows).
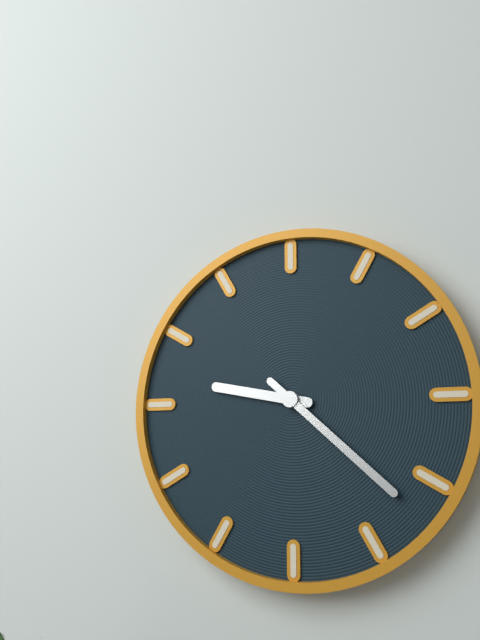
9:22
